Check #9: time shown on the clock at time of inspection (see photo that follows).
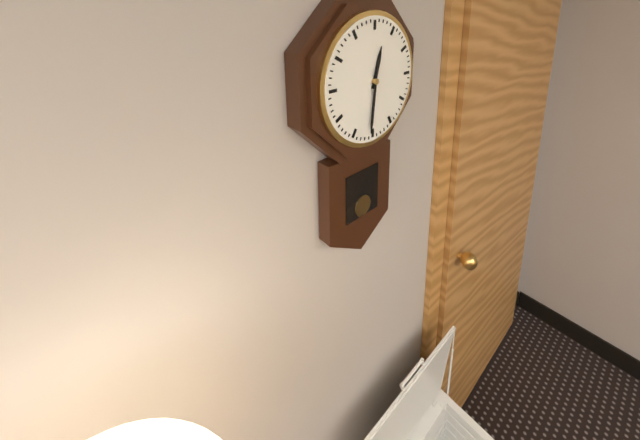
12:31
